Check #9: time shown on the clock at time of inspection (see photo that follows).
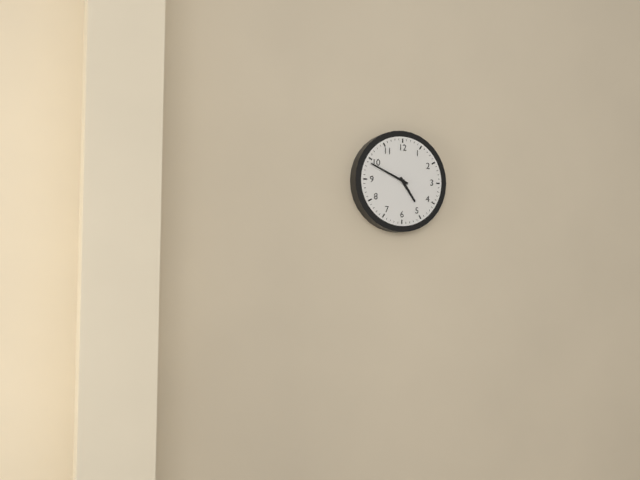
4:49
